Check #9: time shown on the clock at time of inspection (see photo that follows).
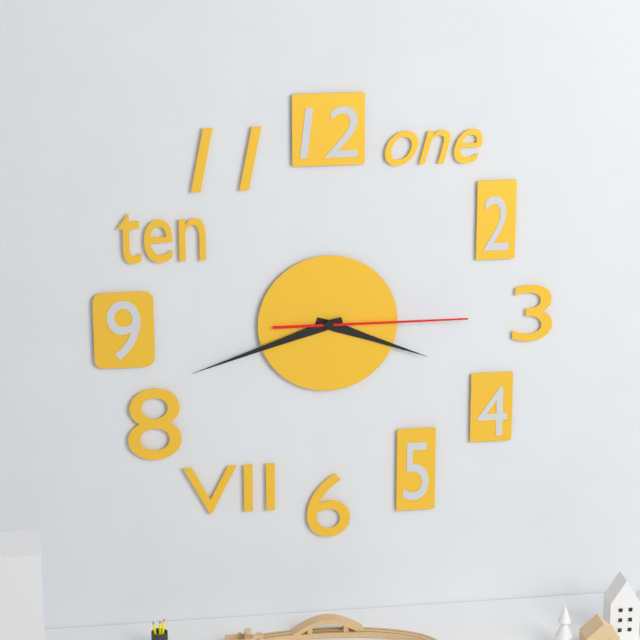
3:42:15
